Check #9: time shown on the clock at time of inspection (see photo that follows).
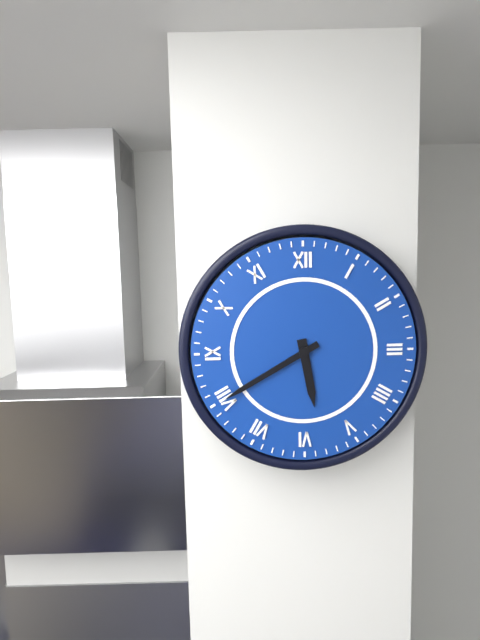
5:40
